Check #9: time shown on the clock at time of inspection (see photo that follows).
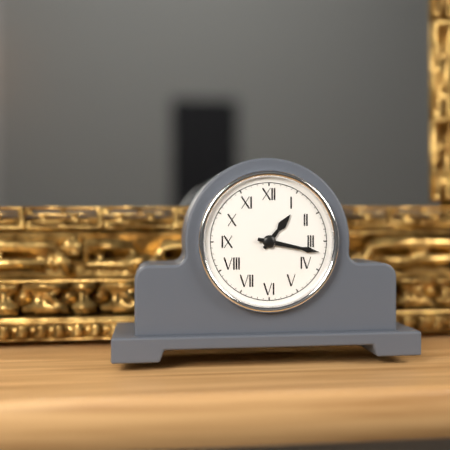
1:17
